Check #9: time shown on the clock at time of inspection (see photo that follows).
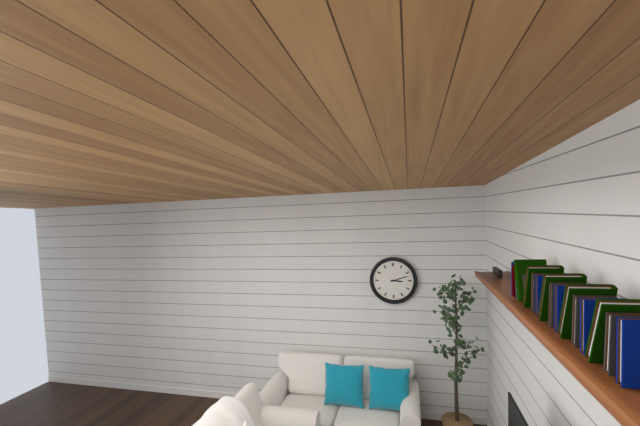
3:12
